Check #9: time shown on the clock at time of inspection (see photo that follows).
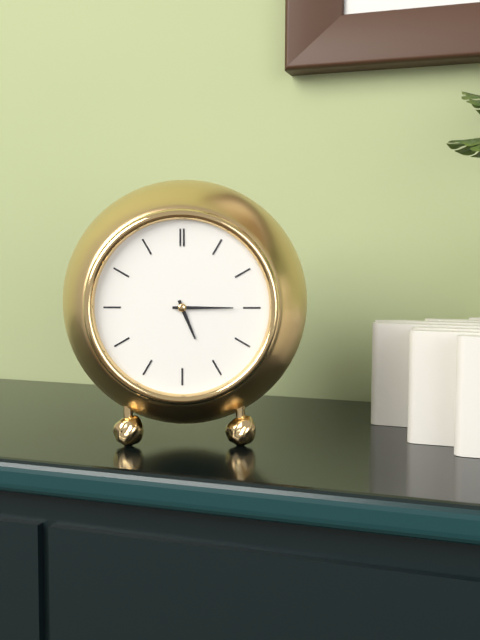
5:15
